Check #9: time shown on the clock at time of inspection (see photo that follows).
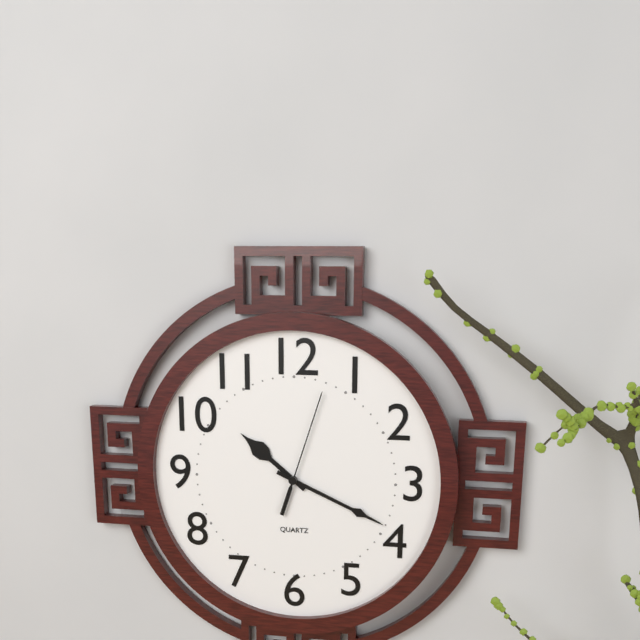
10:19:03
